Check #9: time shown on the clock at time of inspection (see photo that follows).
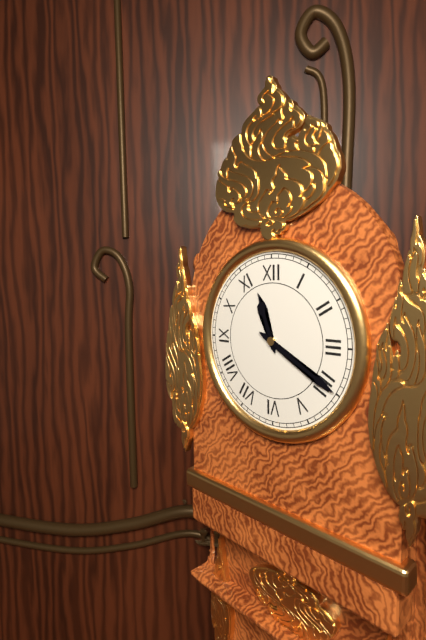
11:20
